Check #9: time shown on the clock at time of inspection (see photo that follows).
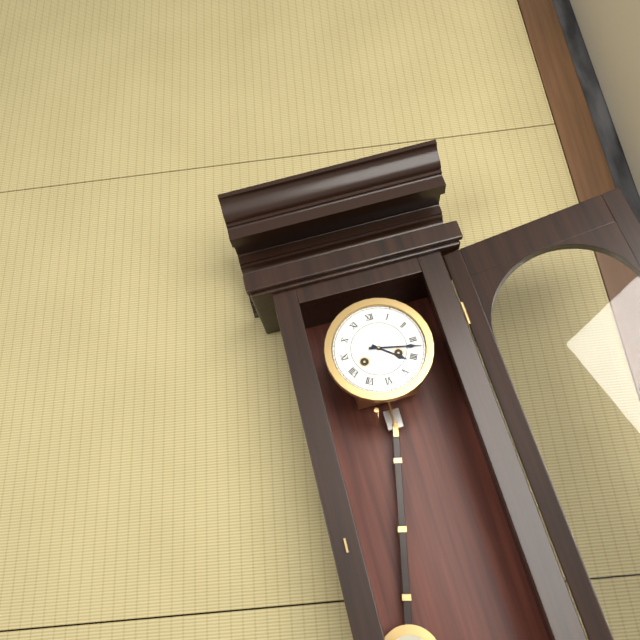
4:17
